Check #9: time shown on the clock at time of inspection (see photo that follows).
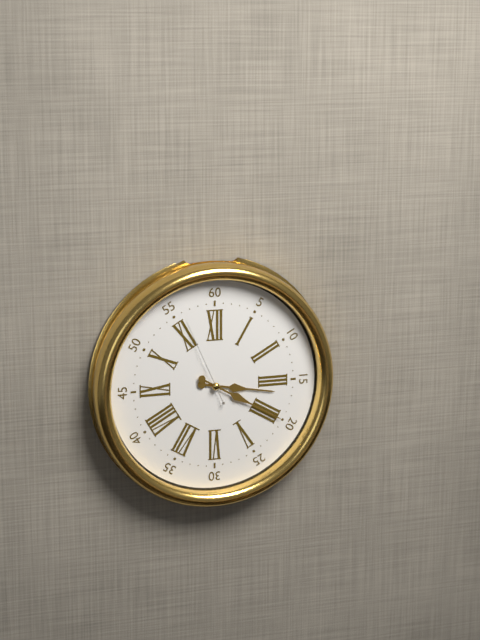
3:20:56
